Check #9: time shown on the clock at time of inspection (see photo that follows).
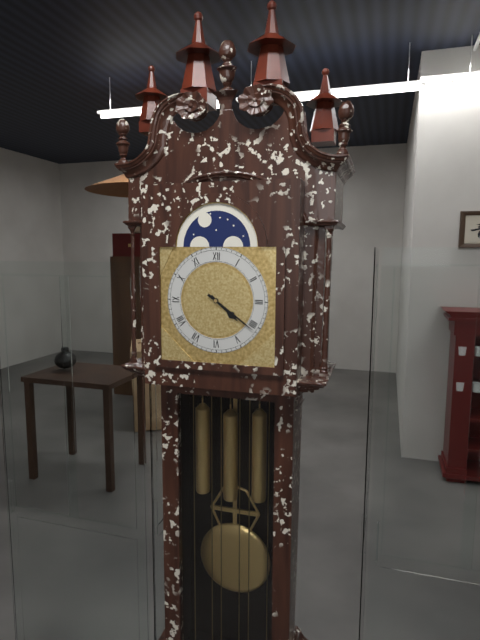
4:21
